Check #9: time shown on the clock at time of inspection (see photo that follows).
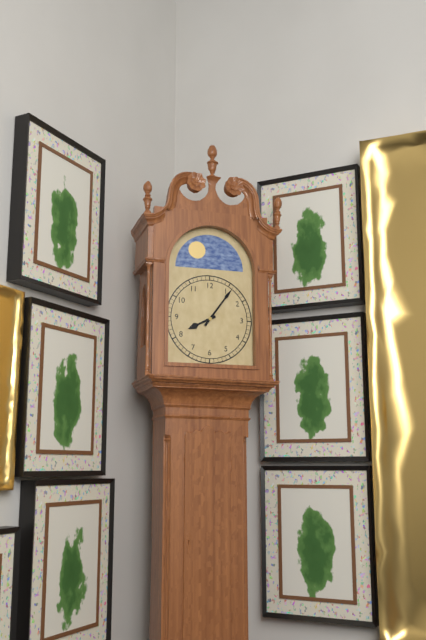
8:06
